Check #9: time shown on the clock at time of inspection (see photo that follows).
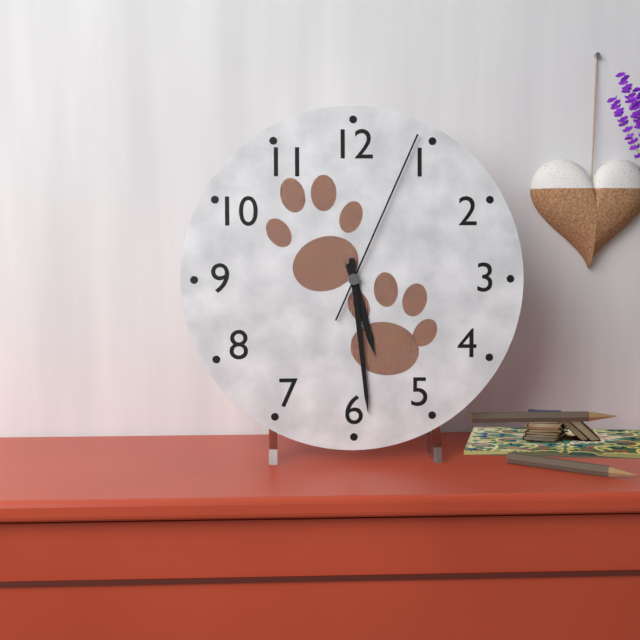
5:29:04
